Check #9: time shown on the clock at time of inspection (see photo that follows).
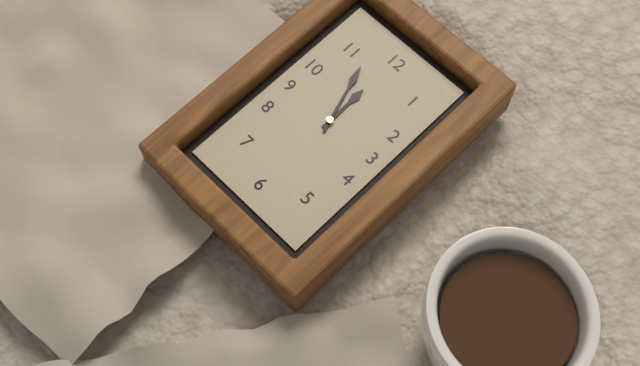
11:57
